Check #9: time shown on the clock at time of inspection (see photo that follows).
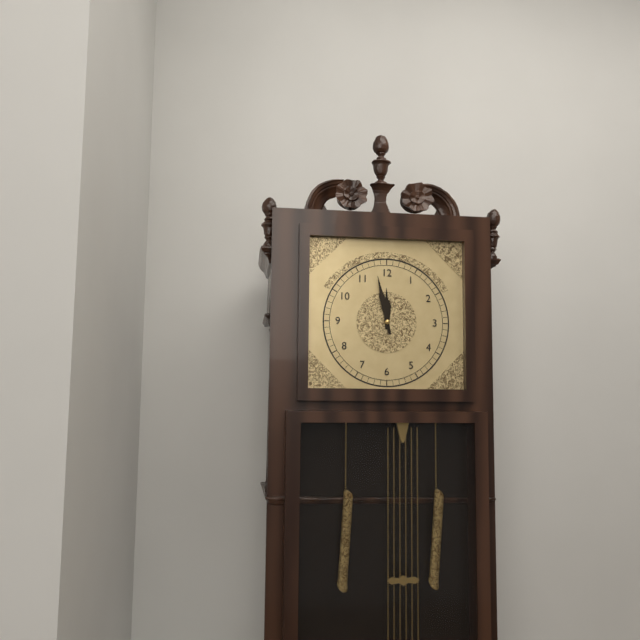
11:58
